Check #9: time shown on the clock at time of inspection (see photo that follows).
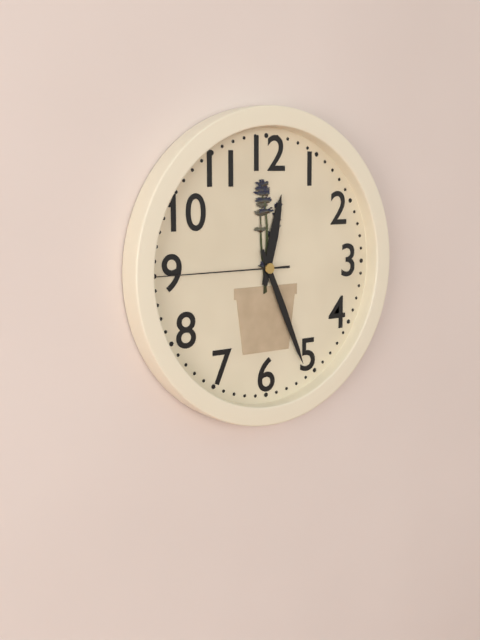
12:26:45
